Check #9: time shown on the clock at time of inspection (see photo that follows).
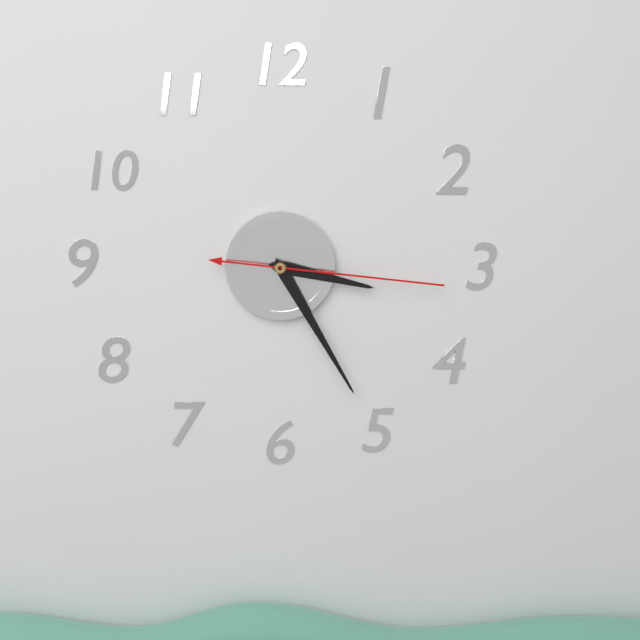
3:25:16
